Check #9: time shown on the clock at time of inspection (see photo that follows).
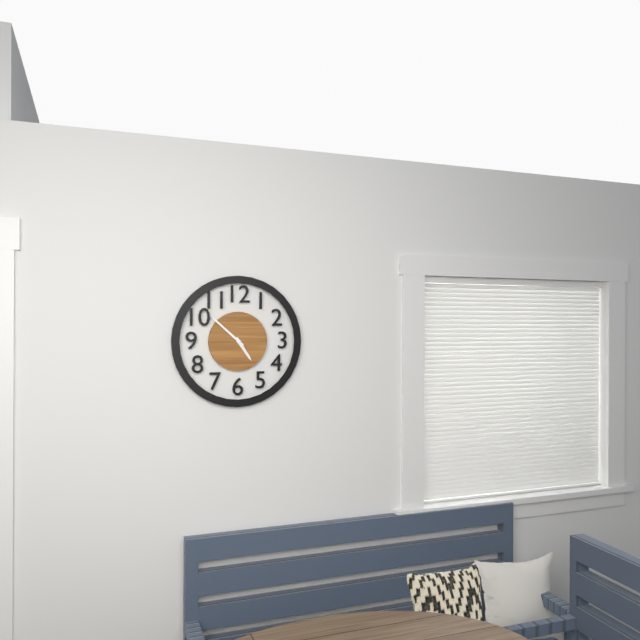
4:52
